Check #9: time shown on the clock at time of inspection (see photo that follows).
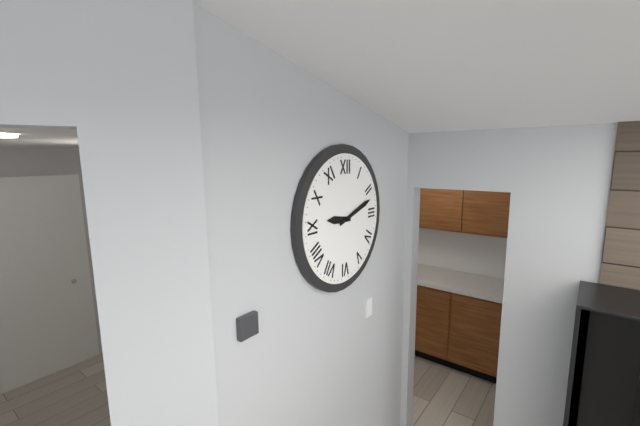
9:12
